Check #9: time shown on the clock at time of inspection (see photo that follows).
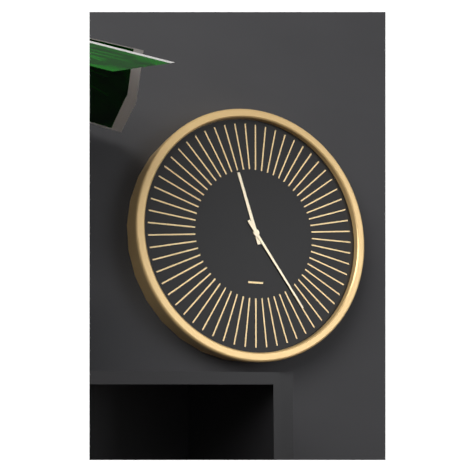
11:24
